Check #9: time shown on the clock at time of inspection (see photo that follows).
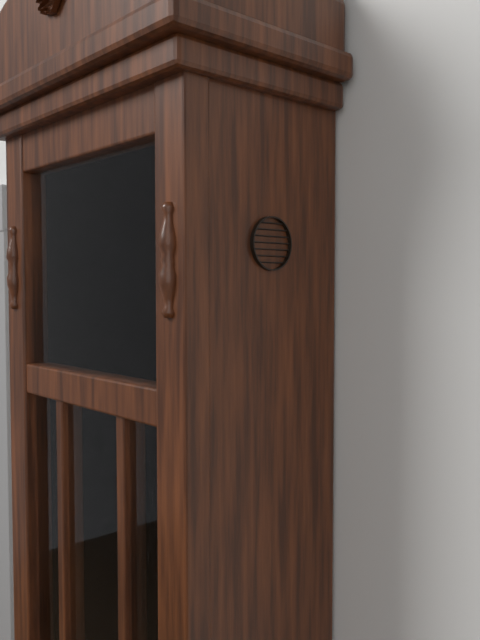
7:44
